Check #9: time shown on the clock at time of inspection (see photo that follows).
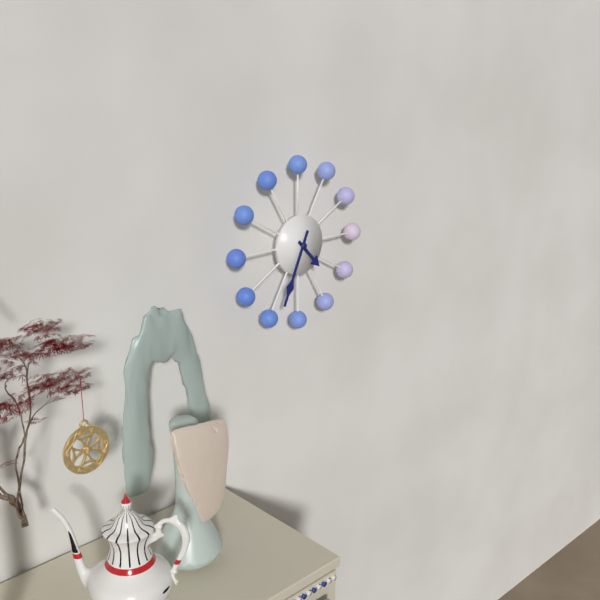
4:34
